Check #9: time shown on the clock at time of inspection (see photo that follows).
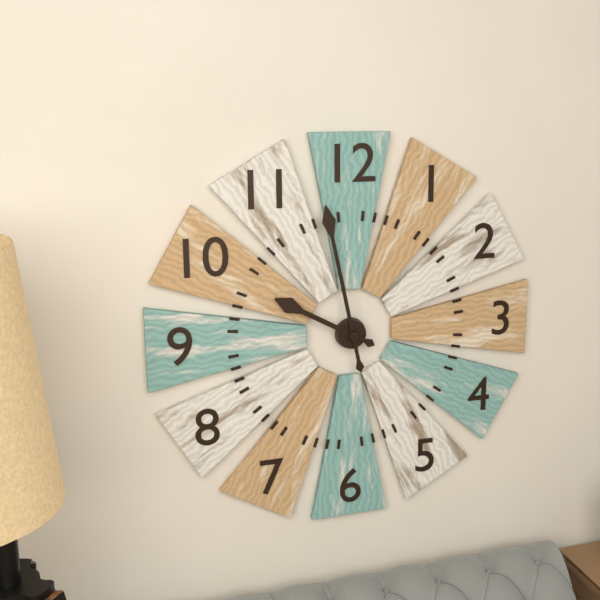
9:58
